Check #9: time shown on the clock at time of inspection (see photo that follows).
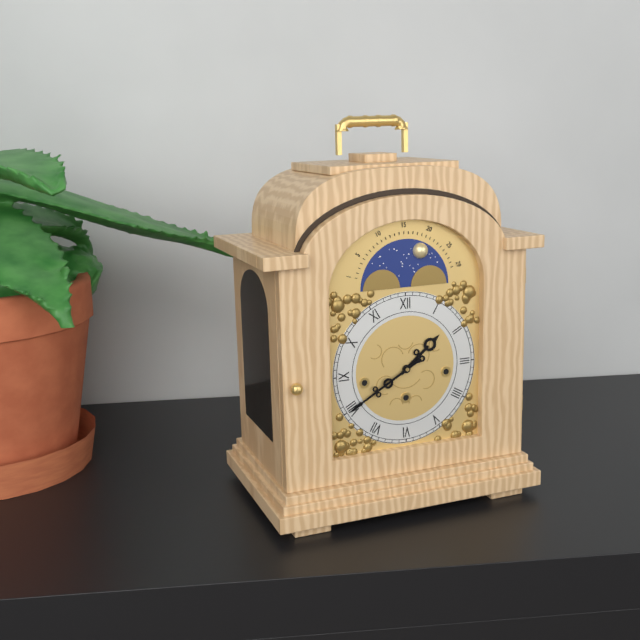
1:40
